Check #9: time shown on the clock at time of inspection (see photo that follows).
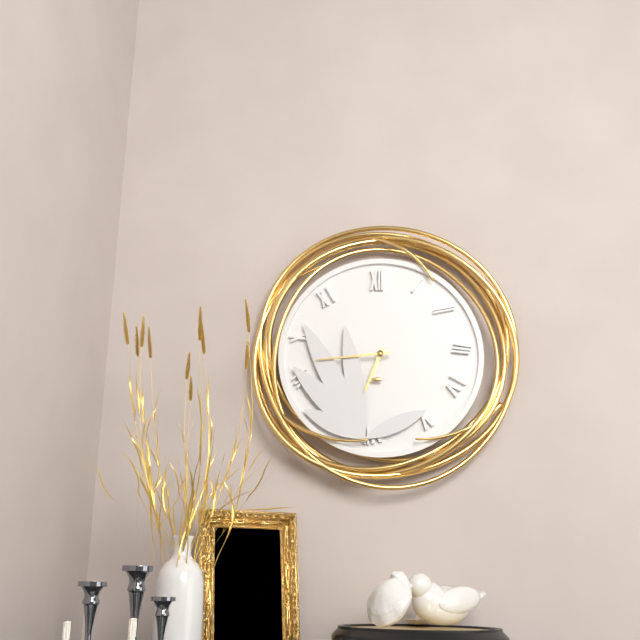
6:44
